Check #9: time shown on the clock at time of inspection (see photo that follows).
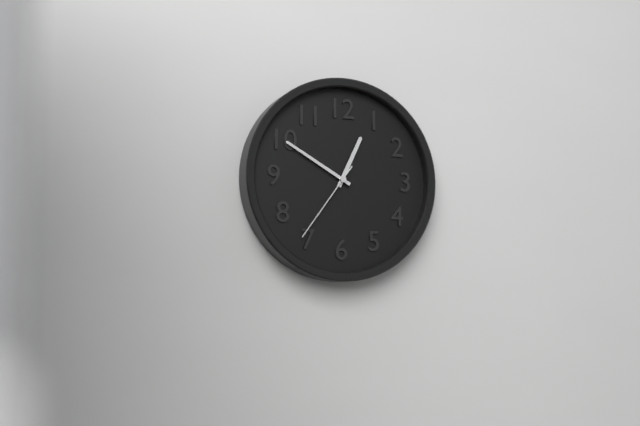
12:50:36
